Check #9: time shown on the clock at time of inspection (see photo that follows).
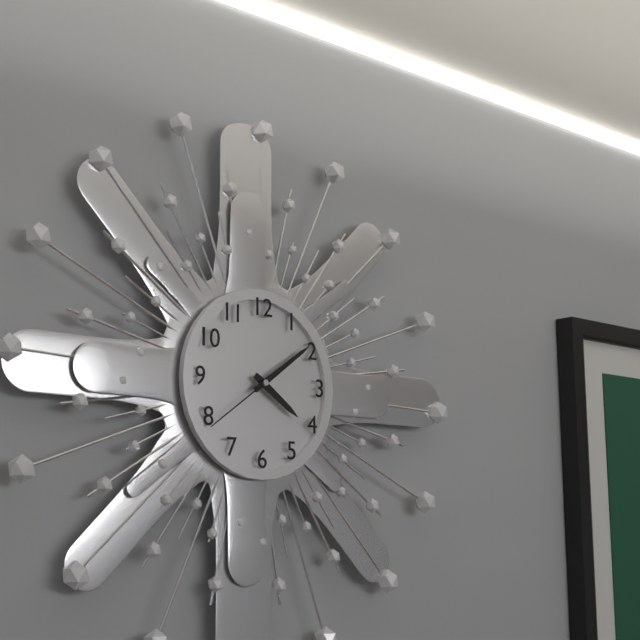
4:09:39
